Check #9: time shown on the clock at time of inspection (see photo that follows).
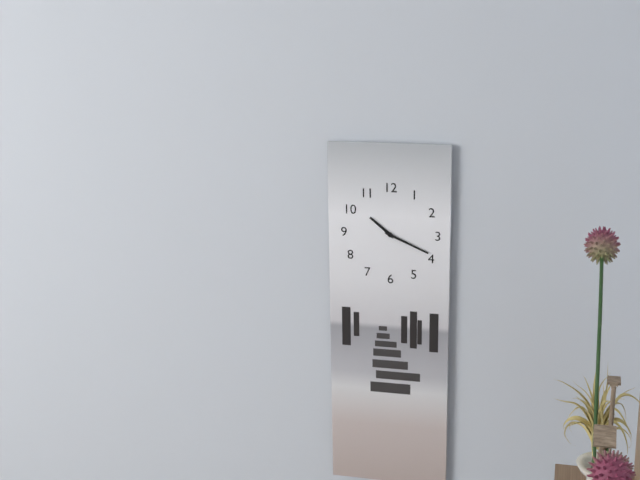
10:19
